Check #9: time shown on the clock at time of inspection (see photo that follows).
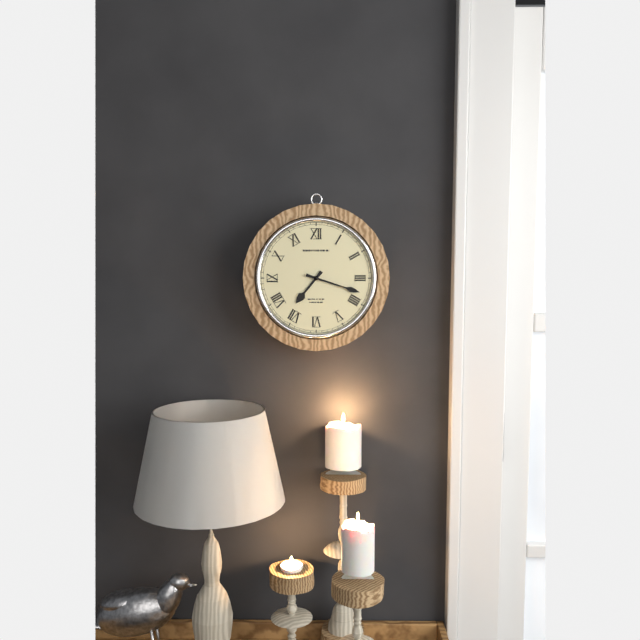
7:18
